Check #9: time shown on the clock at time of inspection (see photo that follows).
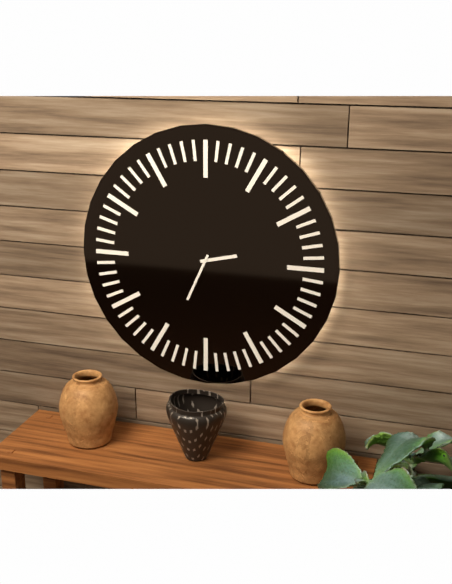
2:34
